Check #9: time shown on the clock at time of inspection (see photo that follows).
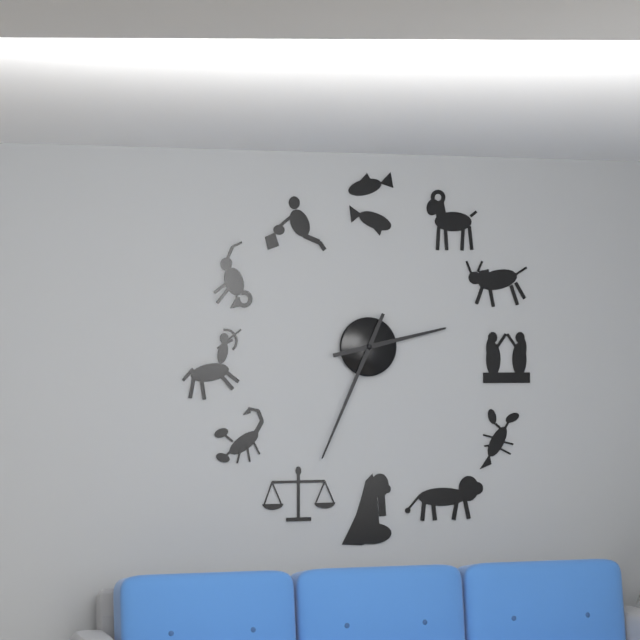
2:34
